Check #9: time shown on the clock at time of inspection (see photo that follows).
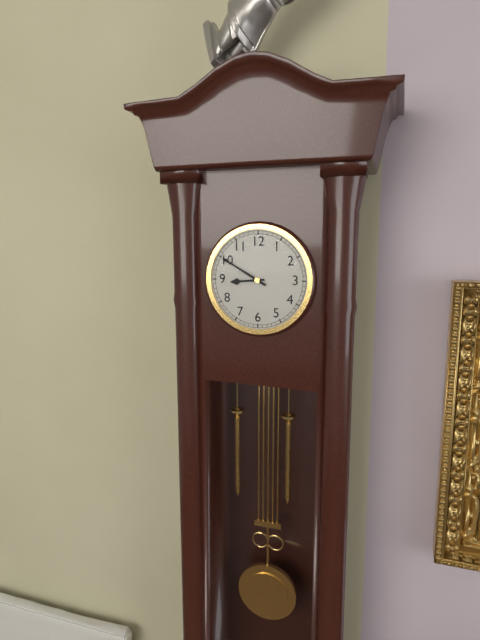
8:50
